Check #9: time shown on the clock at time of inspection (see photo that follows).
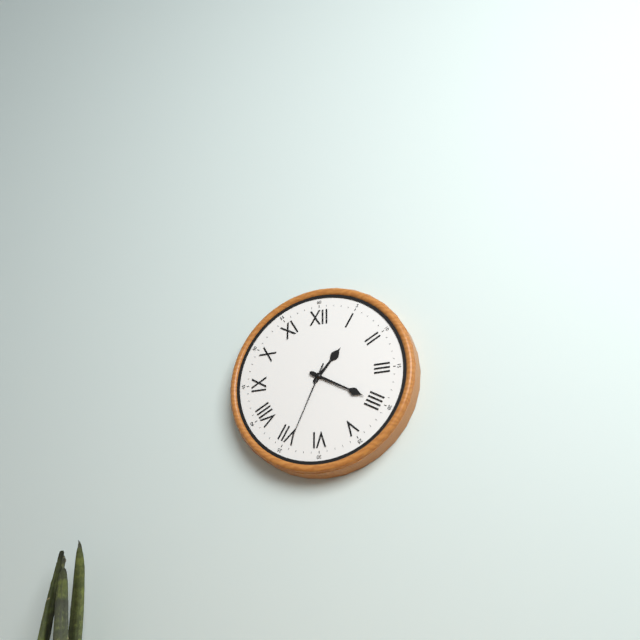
1:20:34
